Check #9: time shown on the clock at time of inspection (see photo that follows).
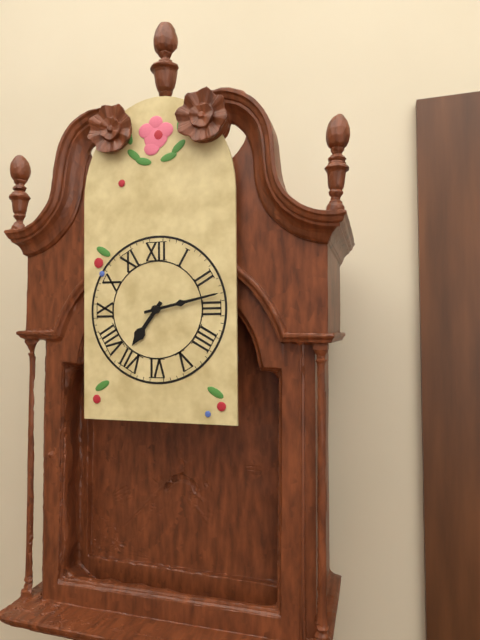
7:13
